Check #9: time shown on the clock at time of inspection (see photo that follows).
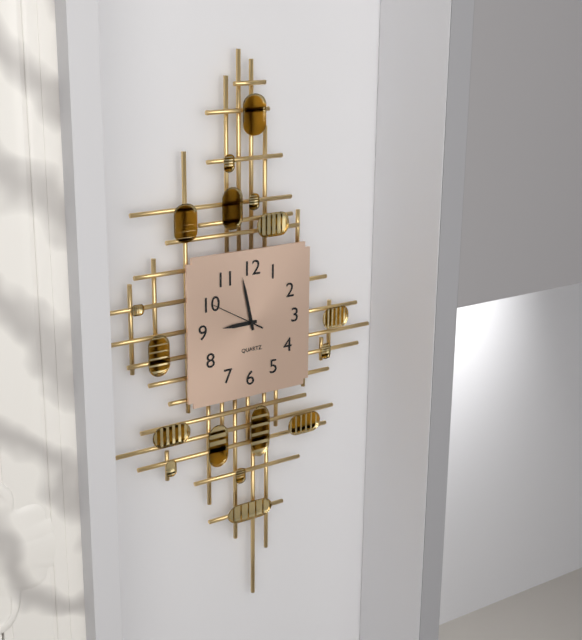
8:58:50
